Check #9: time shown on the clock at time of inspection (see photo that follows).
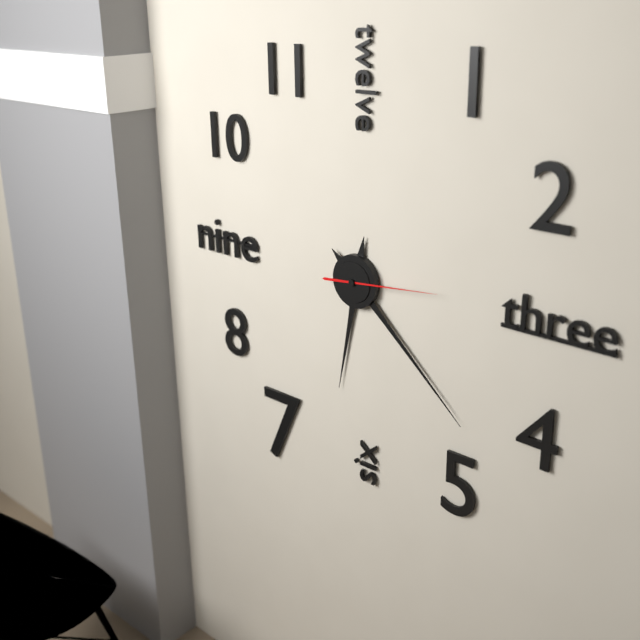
6:22:14
